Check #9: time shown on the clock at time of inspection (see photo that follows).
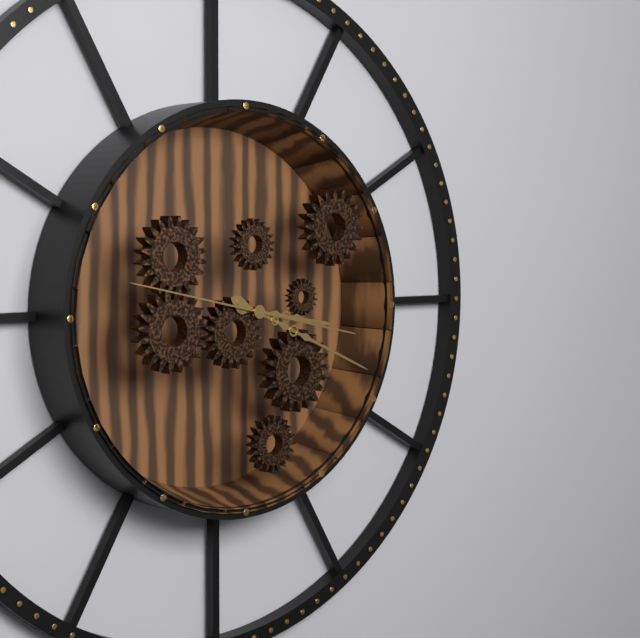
3:19:47
